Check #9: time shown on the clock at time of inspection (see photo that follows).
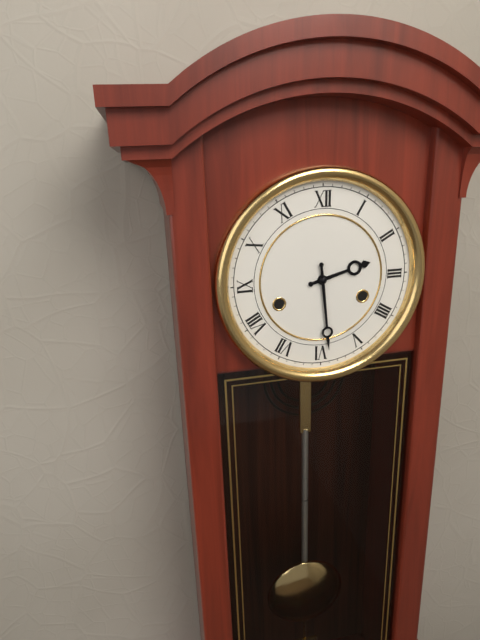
2:29
